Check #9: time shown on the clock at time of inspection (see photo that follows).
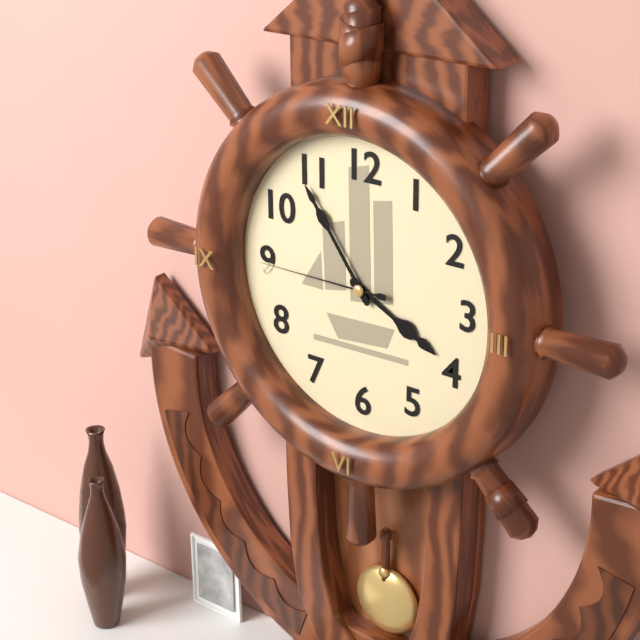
3:54:45
